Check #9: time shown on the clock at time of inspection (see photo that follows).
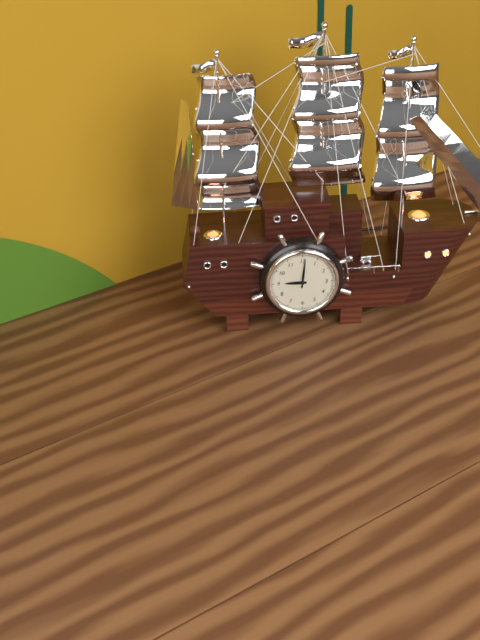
9:01
